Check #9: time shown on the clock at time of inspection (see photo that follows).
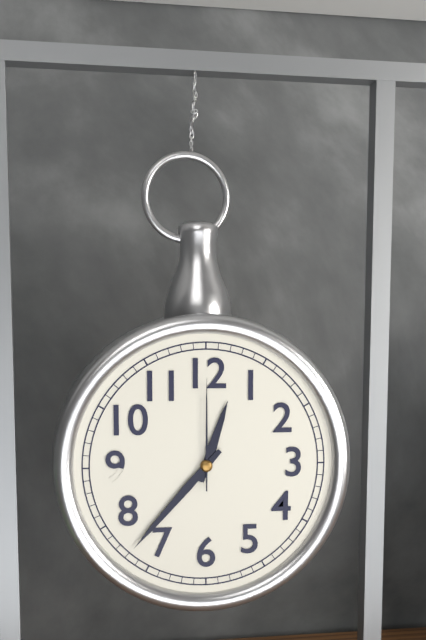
12:37:00
